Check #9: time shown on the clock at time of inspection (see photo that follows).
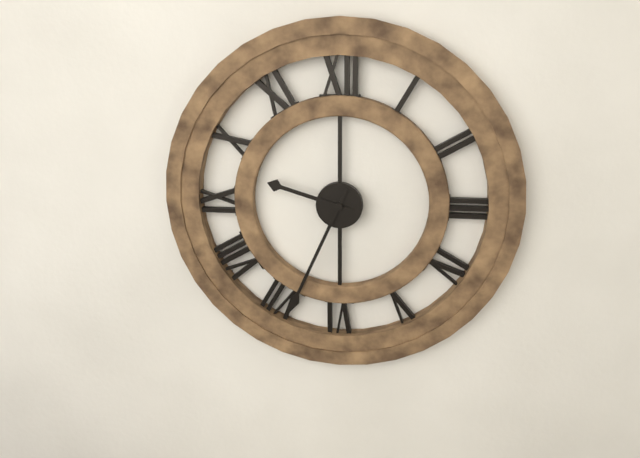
9:34
